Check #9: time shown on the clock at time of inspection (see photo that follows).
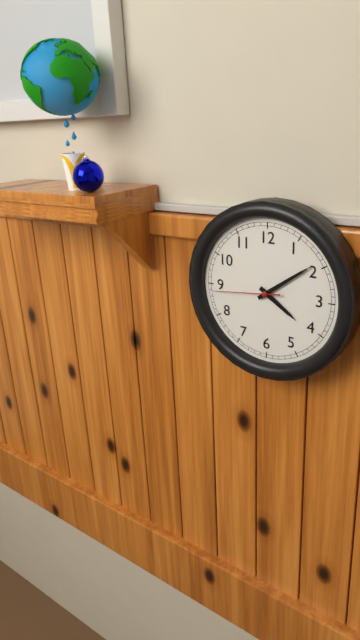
4:09:44
